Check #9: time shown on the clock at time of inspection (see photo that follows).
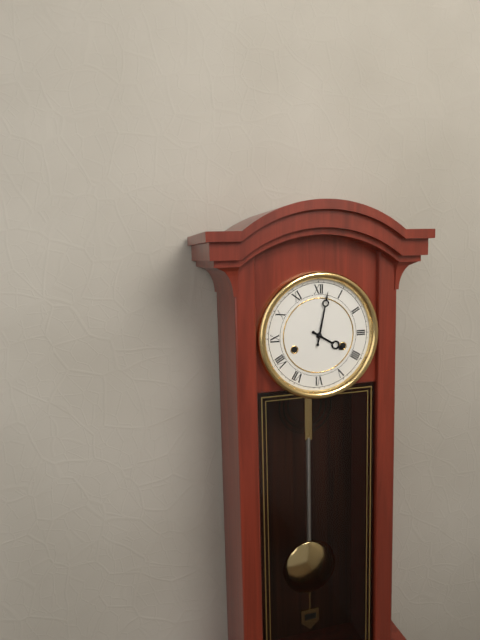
4:02
